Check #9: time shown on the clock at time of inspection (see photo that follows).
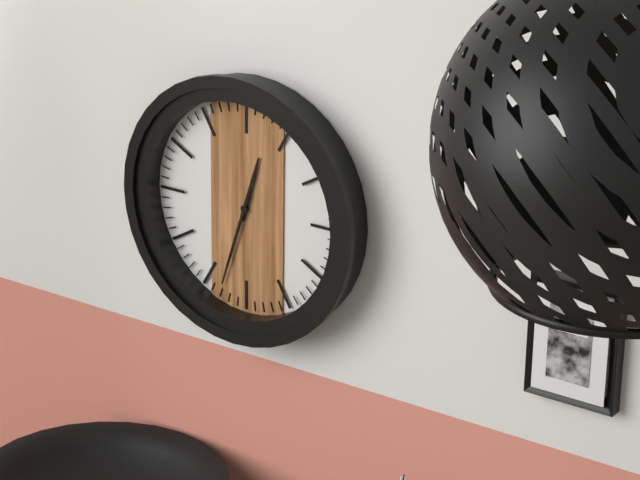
12:33
